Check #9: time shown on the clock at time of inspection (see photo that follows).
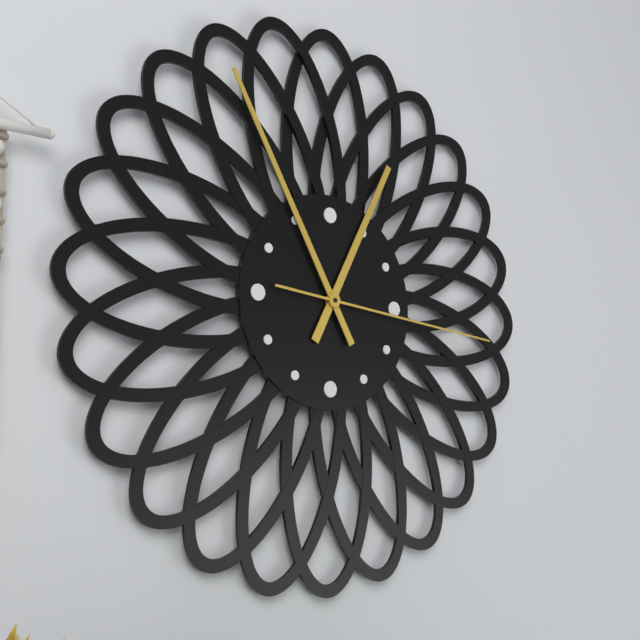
12:55:16
